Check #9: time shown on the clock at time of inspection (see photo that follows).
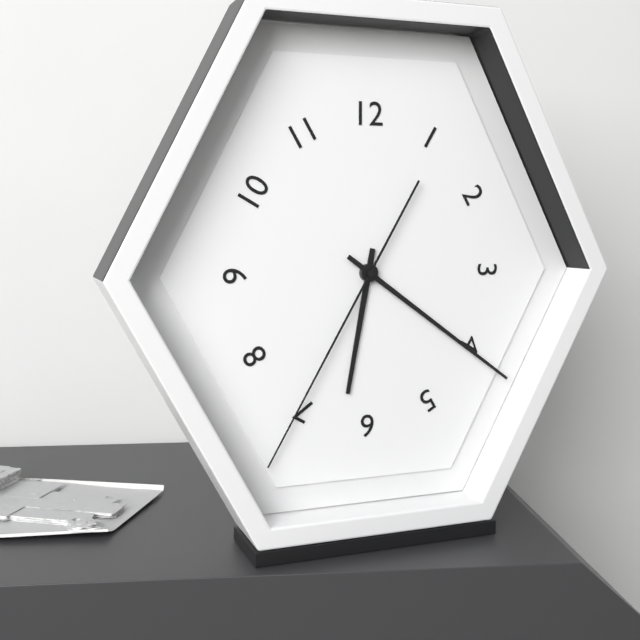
6:21:35
